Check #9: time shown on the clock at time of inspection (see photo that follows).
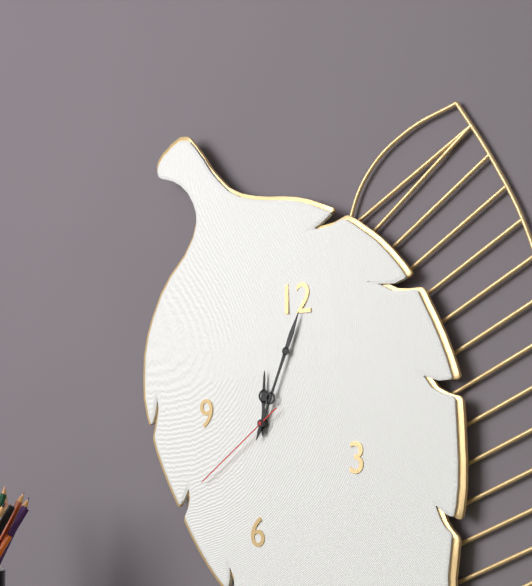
12:04:39
